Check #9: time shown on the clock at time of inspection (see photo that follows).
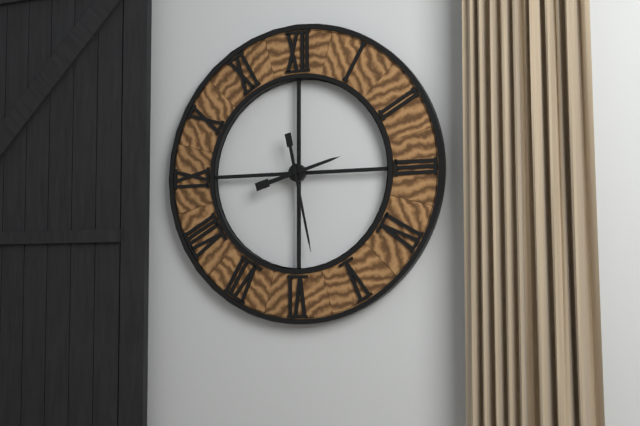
2:28
